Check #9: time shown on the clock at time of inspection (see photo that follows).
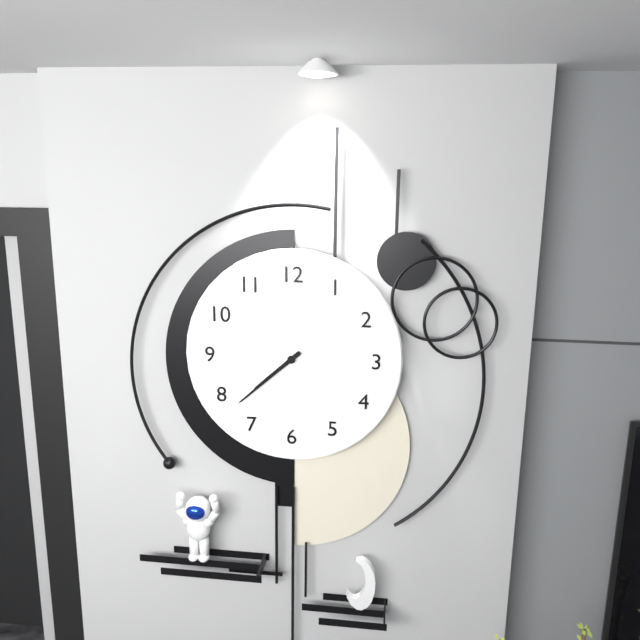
7:38
